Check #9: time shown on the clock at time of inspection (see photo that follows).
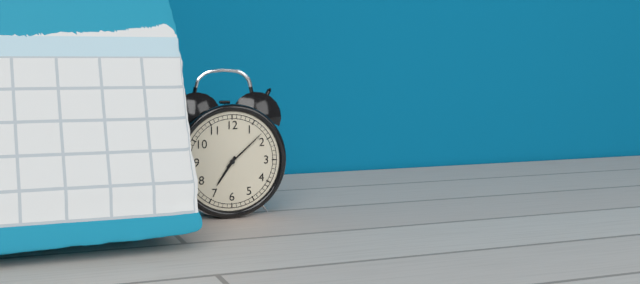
7:08
